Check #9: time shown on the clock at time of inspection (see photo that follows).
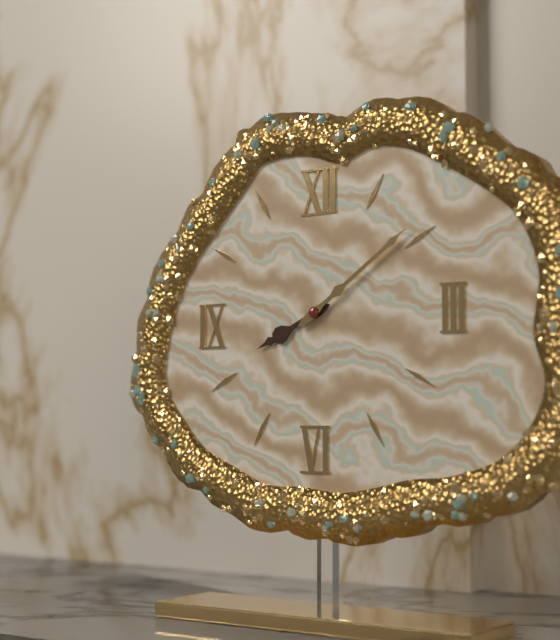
8:09
